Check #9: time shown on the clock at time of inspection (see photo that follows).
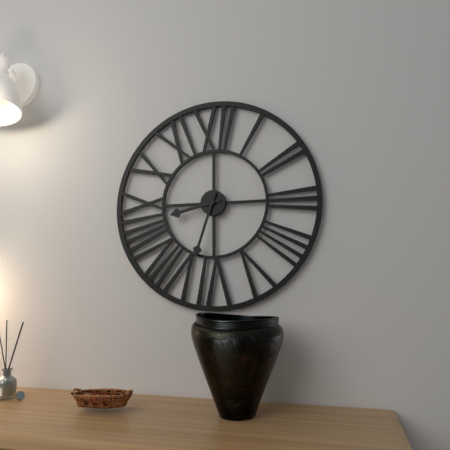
8:33
